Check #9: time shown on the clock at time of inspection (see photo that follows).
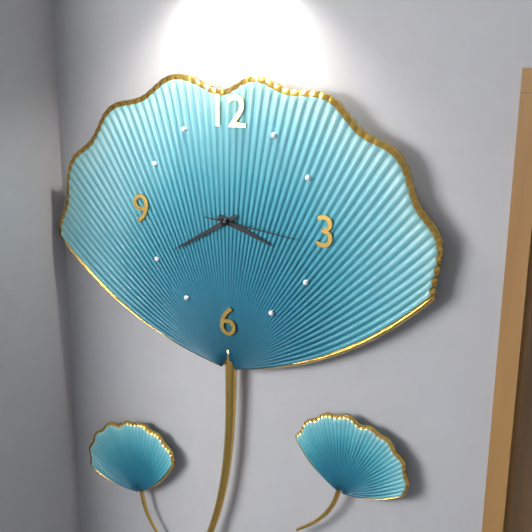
3:40:16
